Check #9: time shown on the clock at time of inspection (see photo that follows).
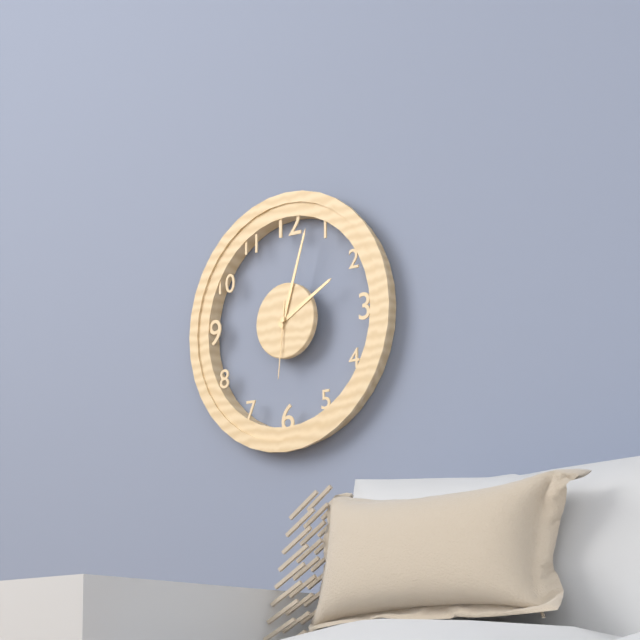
2:03:31
